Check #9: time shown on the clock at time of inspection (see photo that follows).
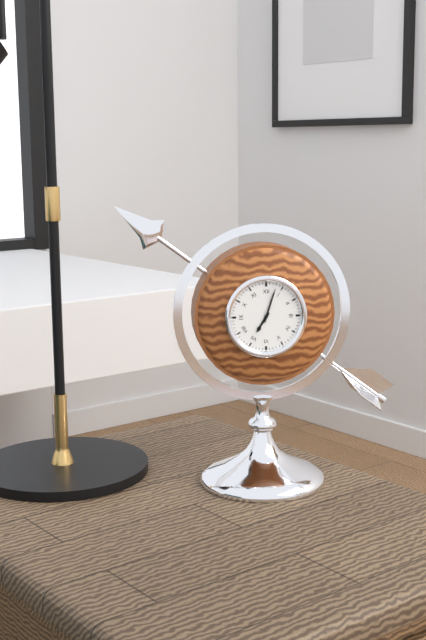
7:03
